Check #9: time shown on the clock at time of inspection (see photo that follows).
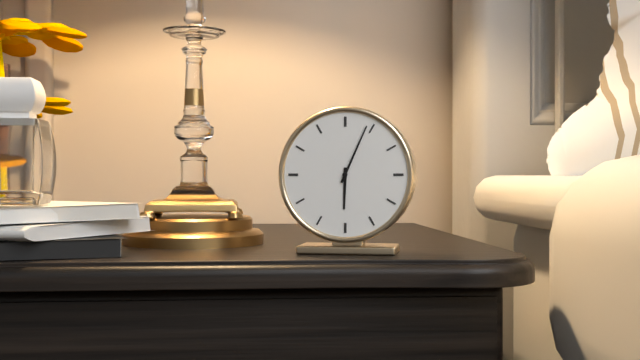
6:04
